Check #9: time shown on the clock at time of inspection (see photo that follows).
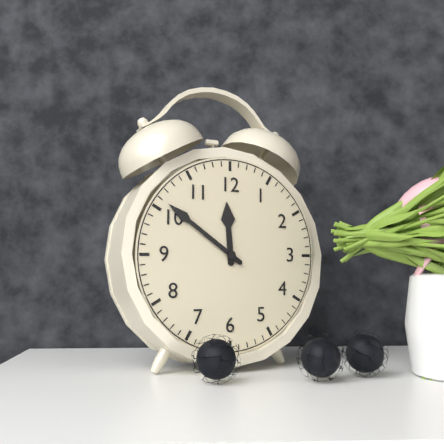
11:51
